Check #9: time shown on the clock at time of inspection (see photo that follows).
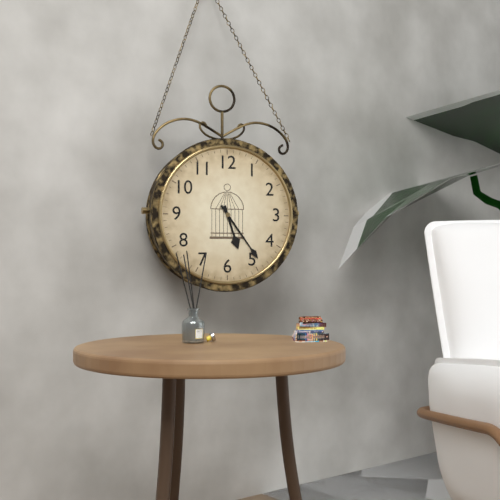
5:24
